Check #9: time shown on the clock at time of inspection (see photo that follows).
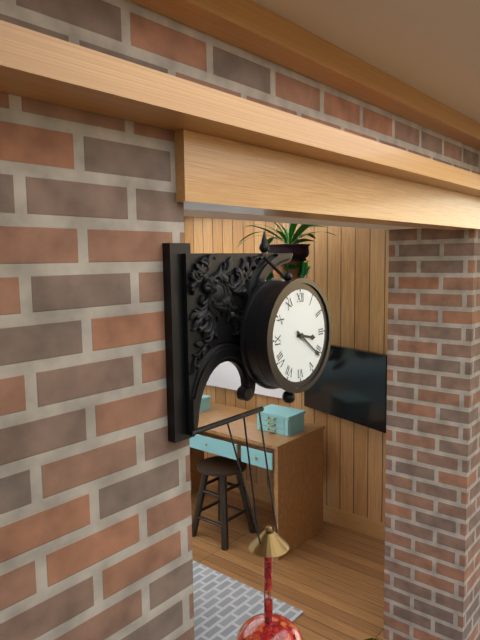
3:21
